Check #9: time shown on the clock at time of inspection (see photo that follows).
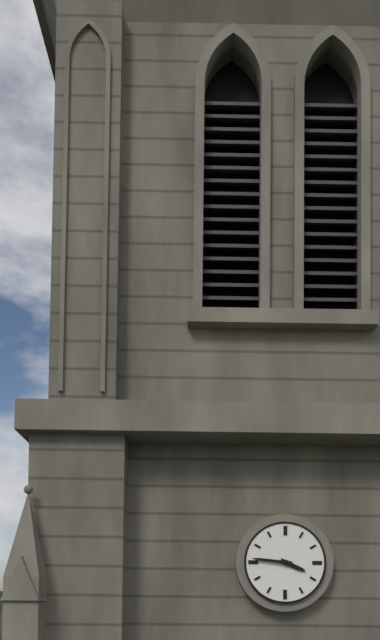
3:46
